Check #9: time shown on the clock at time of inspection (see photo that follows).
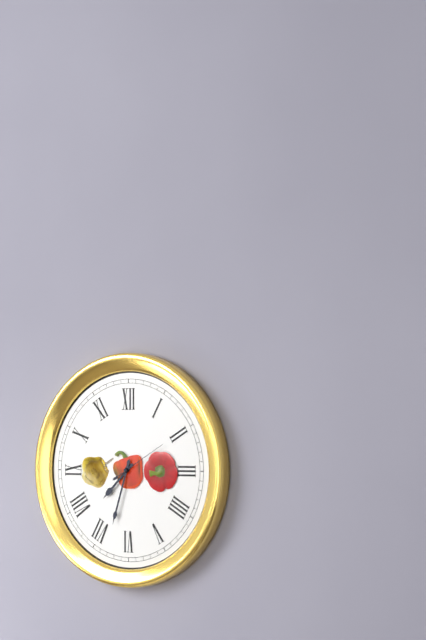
7:33:10
